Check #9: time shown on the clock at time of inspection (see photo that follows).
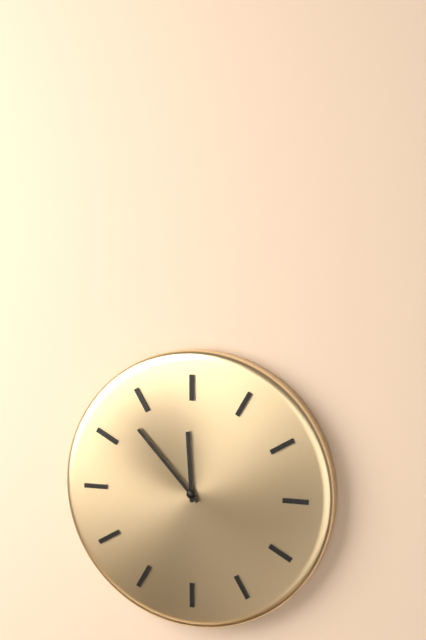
11:53
